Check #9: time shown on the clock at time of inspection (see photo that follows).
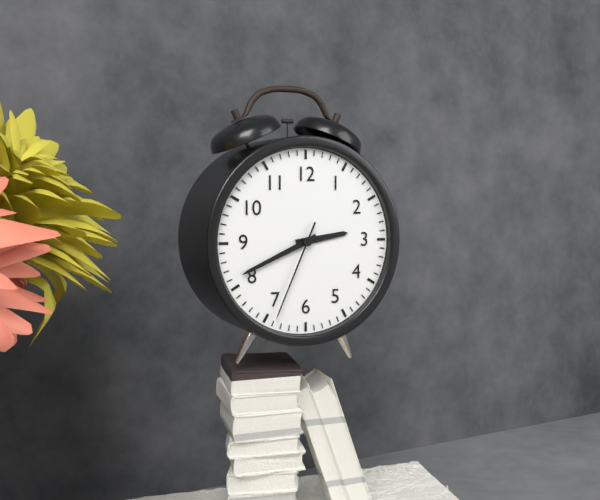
2:41:34
